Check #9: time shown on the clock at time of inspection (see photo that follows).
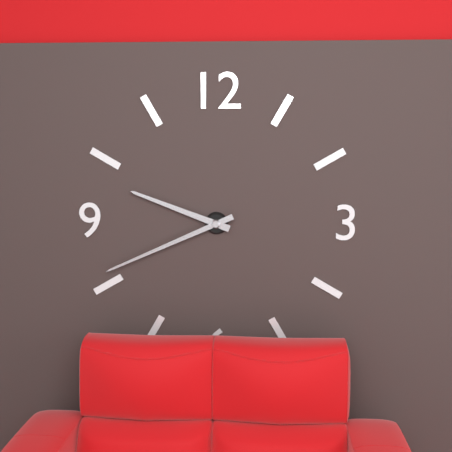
9:41
